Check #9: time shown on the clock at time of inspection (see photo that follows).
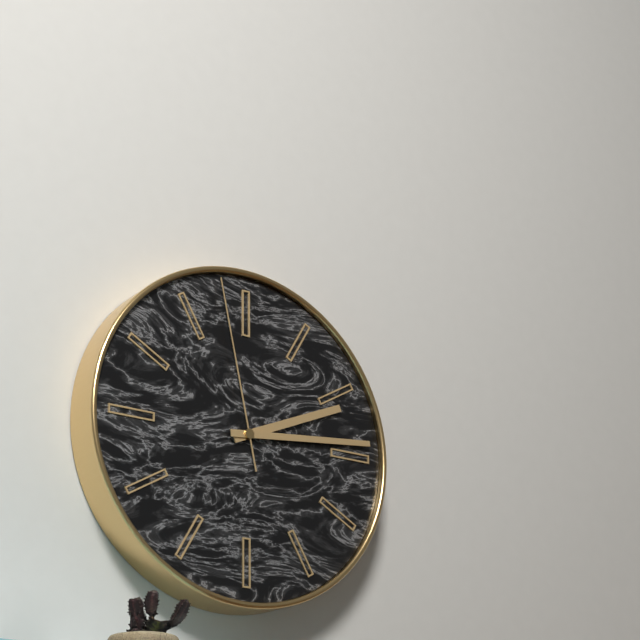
2:14:58
